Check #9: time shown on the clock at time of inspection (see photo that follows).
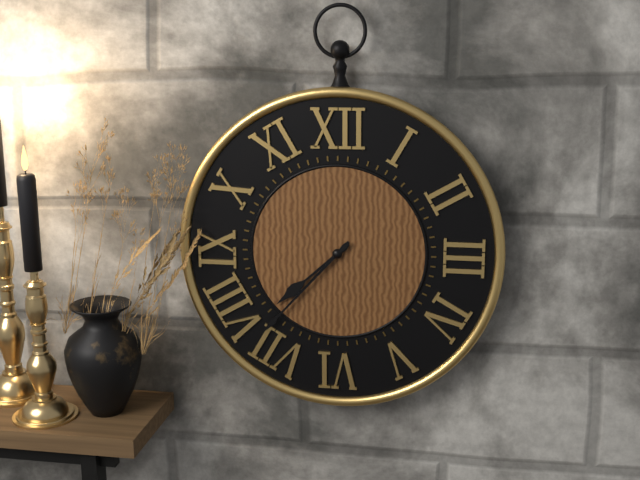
7:37
